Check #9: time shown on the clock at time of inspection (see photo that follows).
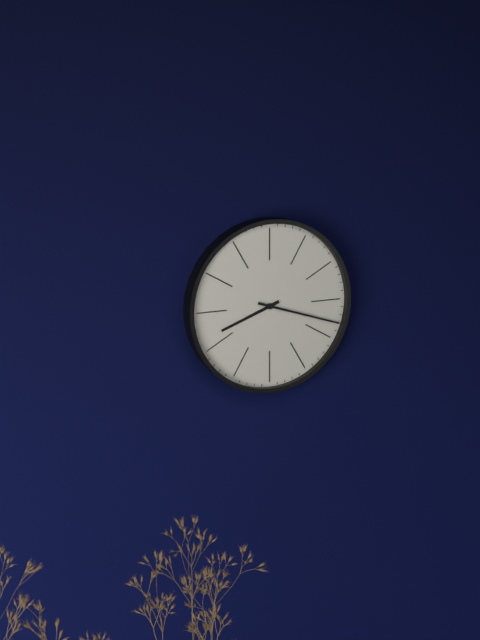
8:18
